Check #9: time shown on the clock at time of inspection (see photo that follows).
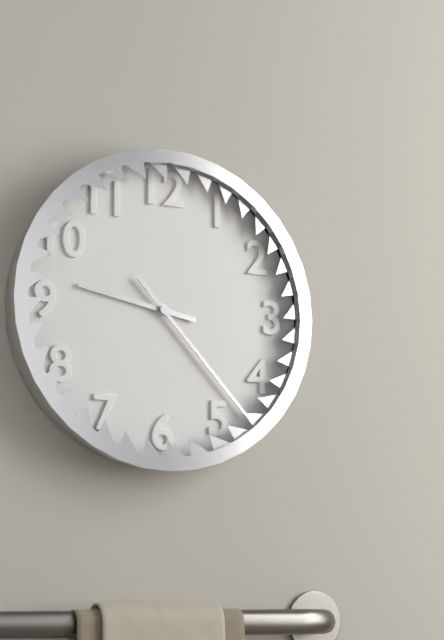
9:23
